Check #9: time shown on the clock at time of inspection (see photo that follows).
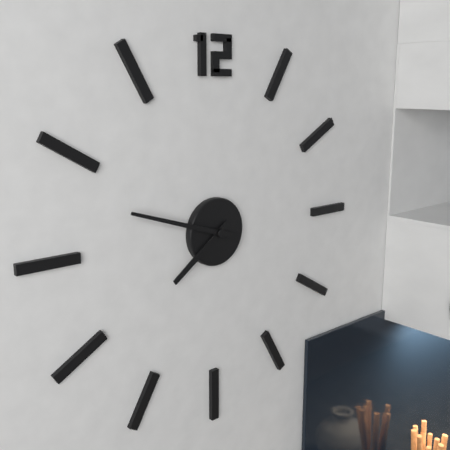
7:48
